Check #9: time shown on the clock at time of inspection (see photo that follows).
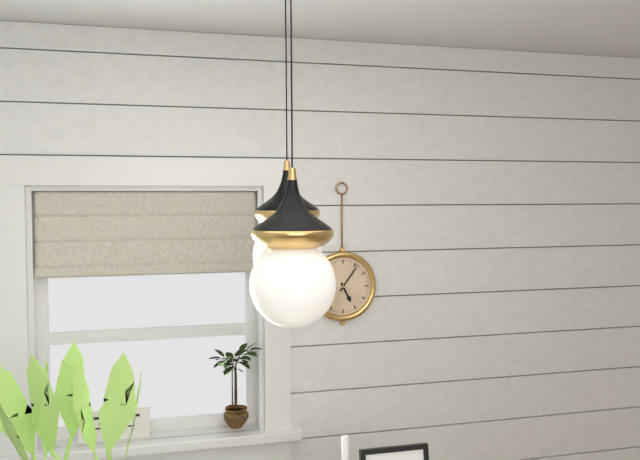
5:06
